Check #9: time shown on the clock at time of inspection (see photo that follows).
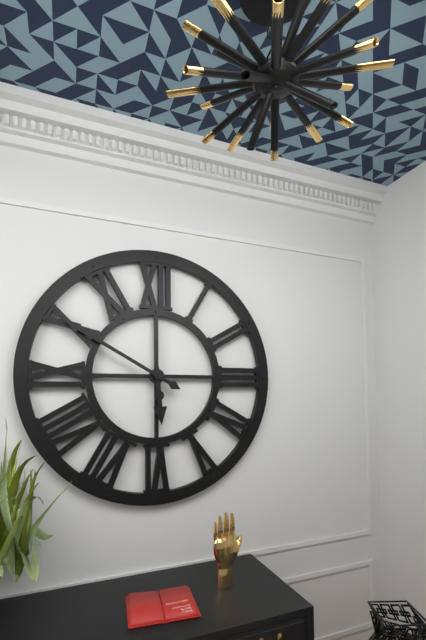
5:50
